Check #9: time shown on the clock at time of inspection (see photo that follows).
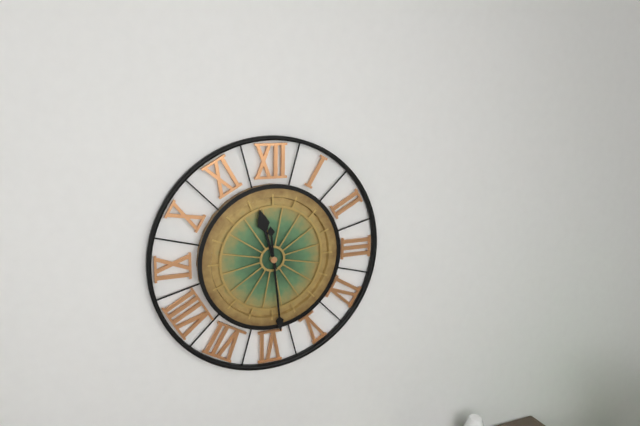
11:29
